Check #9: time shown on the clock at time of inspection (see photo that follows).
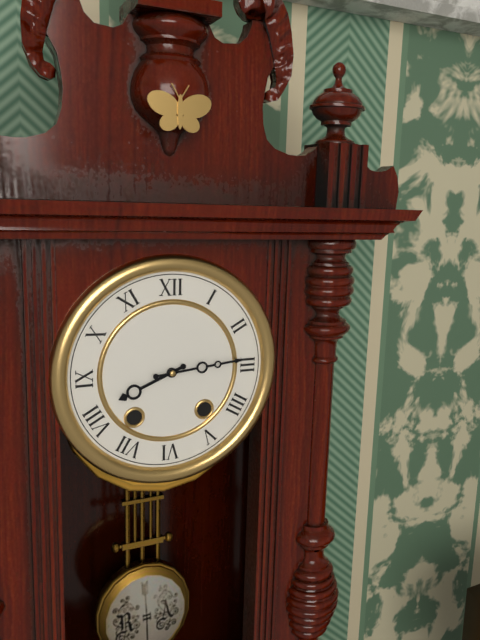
8:14
